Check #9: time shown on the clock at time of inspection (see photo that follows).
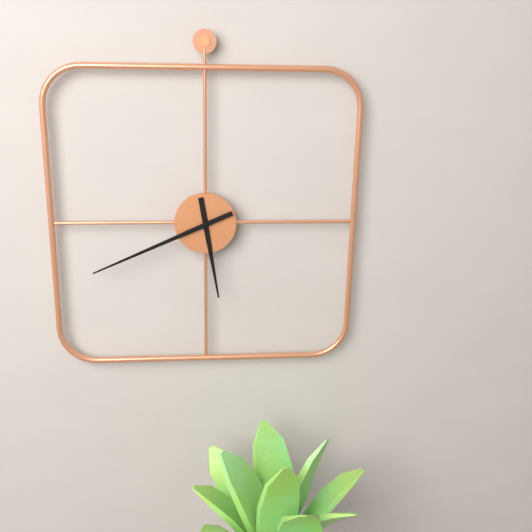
5:41
